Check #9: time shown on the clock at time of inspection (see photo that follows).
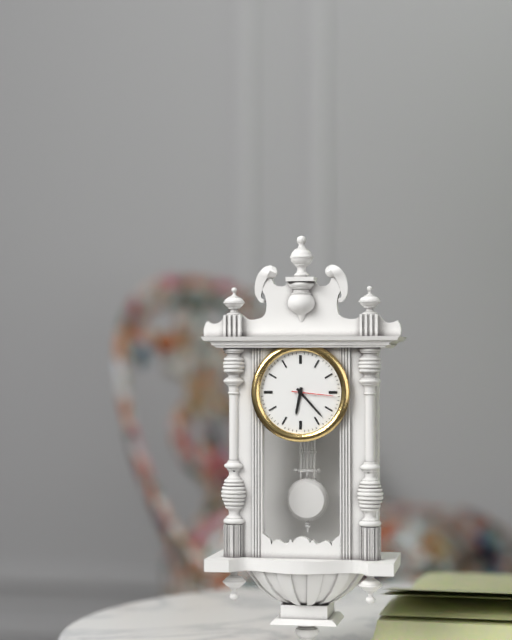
6:23
